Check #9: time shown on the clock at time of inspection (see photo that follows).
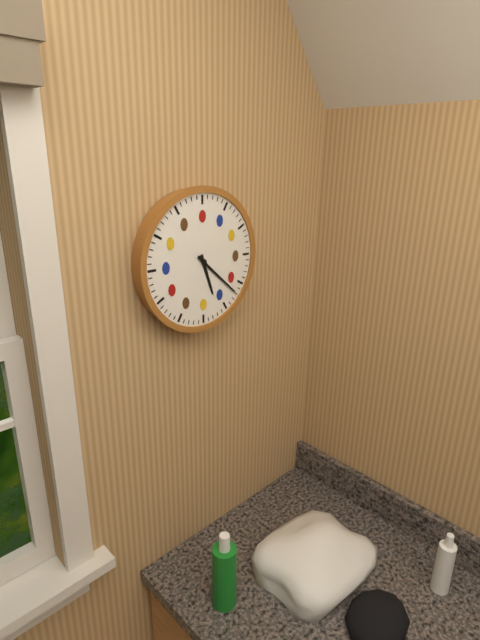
5:22
